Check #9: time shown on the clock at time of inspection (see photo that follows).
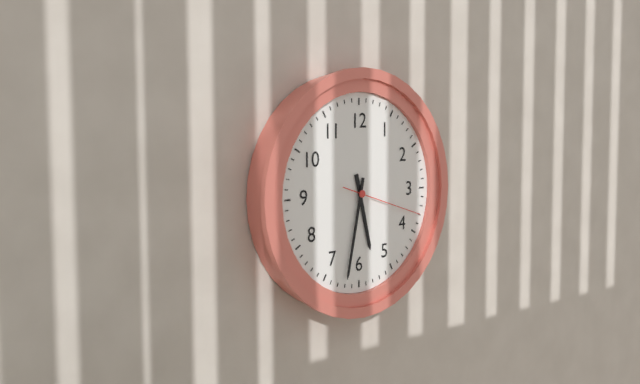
5:32:18
